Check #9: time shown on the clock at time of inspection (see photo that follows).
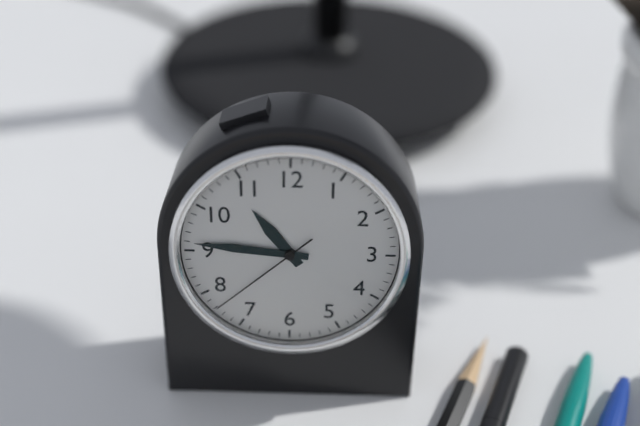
10:46:38
